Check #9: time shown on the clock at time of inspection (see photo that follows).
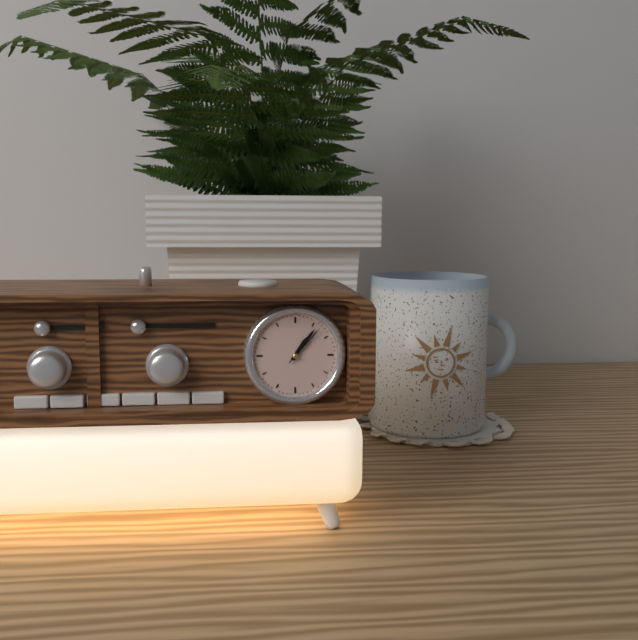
1:06
